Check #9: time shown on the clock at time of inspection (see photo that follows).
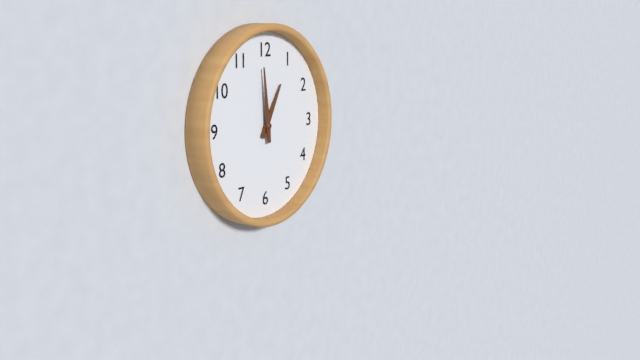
12:59
